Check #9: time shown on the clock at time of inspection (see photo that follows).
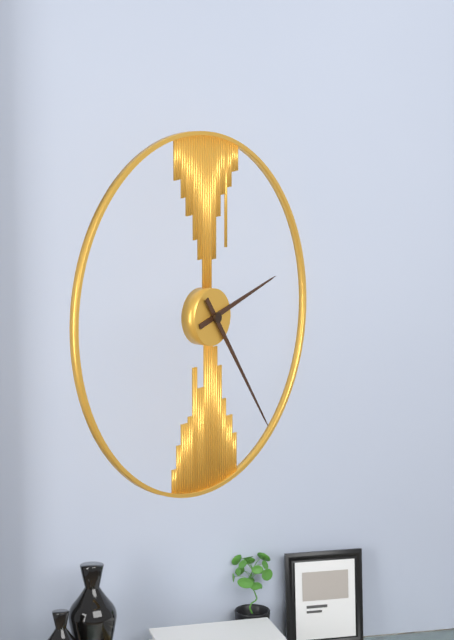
2:24
